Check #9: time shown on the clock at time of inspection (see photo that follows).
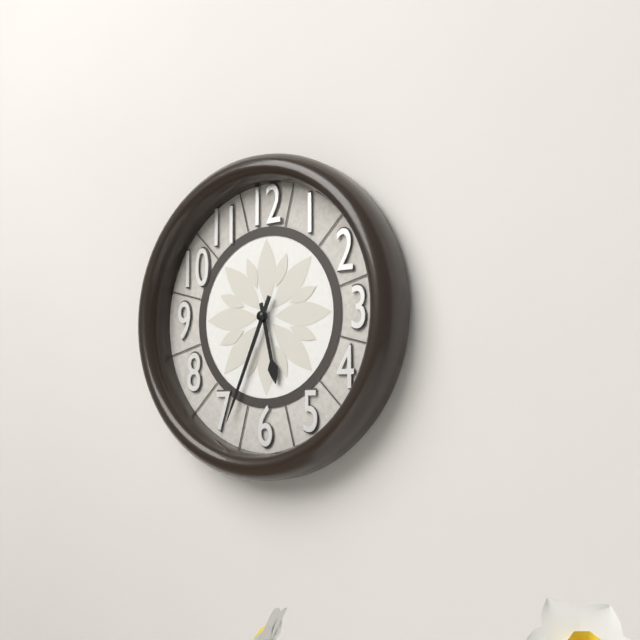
5:34
